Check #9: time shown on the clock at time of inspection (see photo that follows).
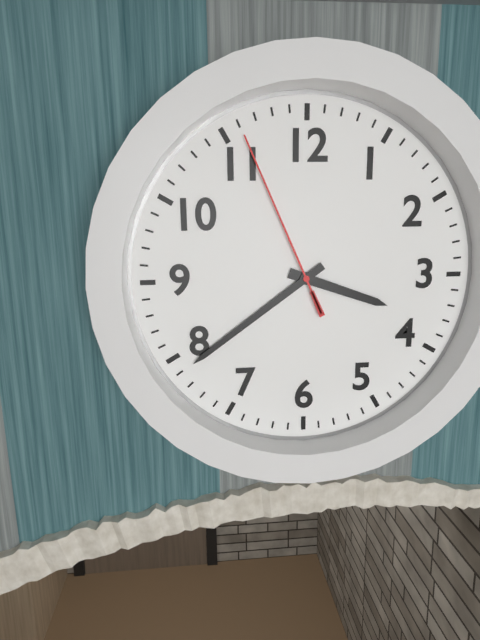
3:39:56
